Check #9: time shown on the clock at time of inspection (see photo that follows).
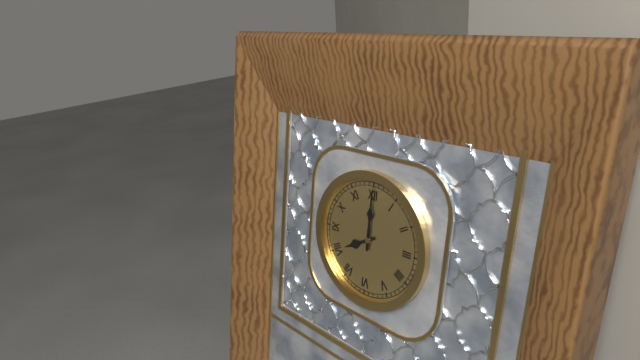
8:00
